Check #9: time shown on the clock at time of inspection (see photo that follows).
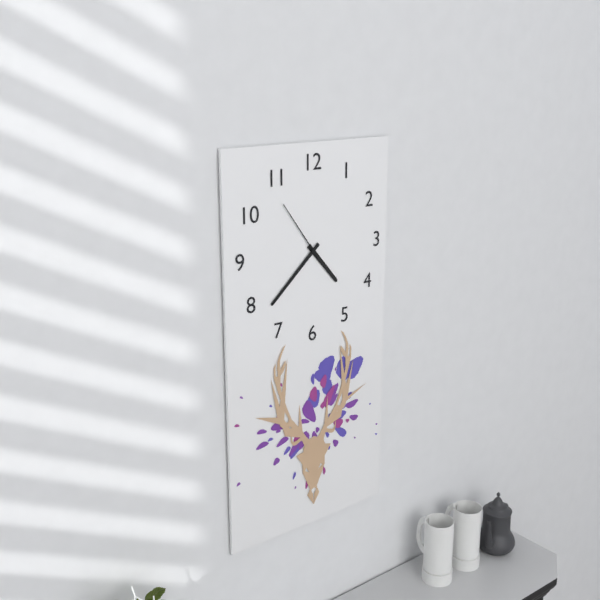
4:38:54
